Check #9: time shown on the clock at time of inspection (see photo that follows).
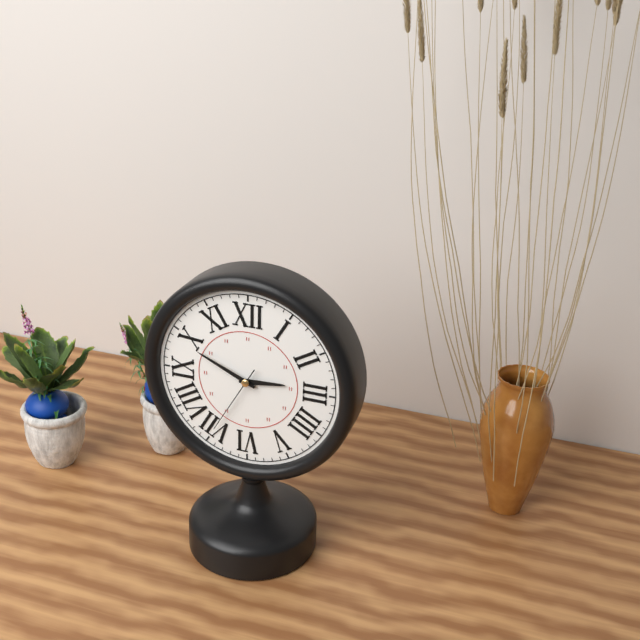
2:49:35
